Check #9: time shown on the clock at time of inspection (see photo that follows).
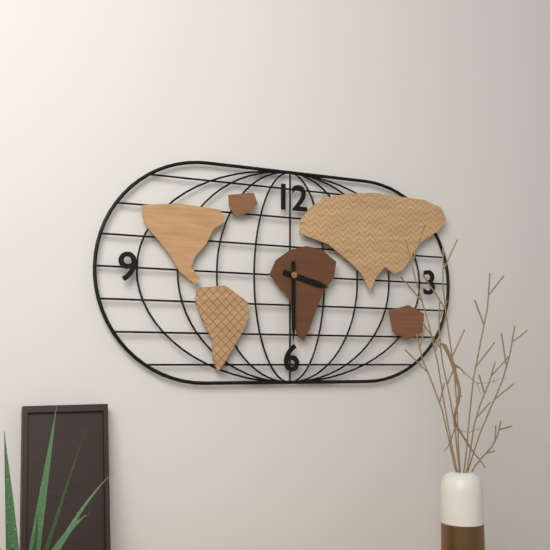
3:30
